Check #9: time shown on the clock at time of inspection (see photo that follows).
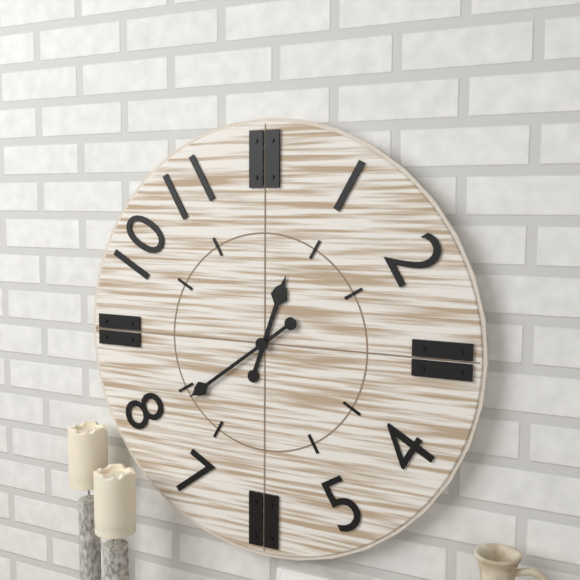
12:39
